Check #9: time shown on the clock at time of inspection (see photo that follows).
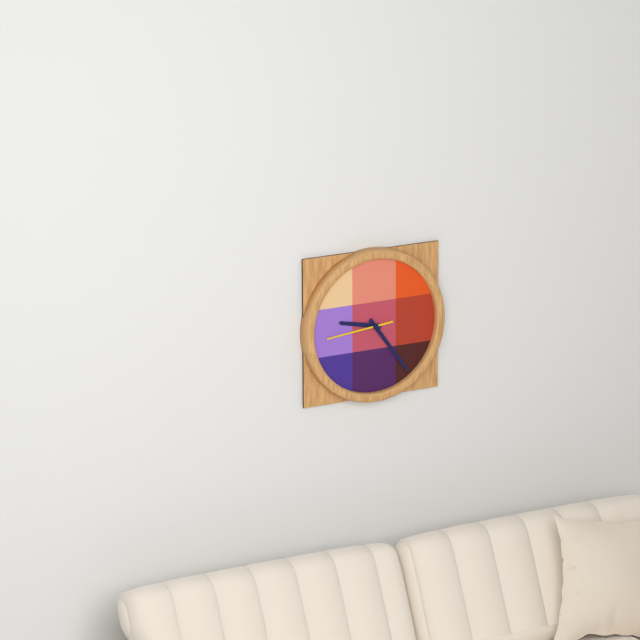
9:24:44
